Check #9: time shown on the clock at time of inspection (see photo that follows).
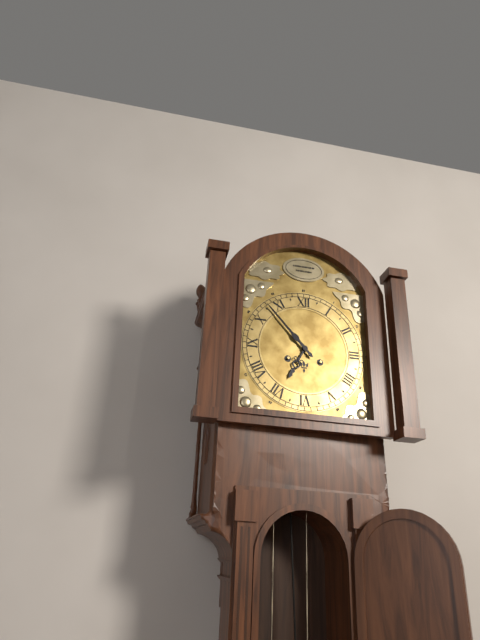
6:53
